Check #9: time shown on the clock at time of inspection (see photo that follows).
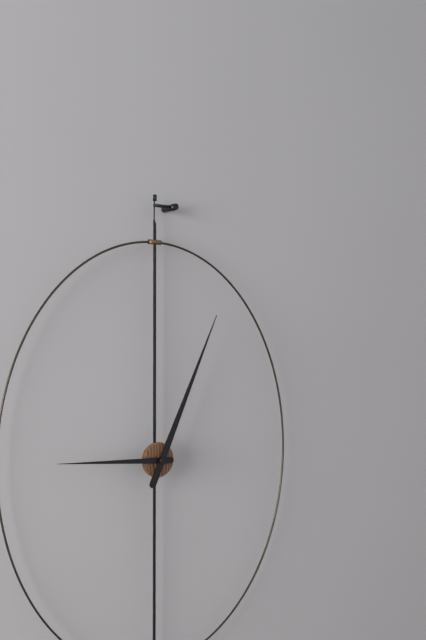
9:04
